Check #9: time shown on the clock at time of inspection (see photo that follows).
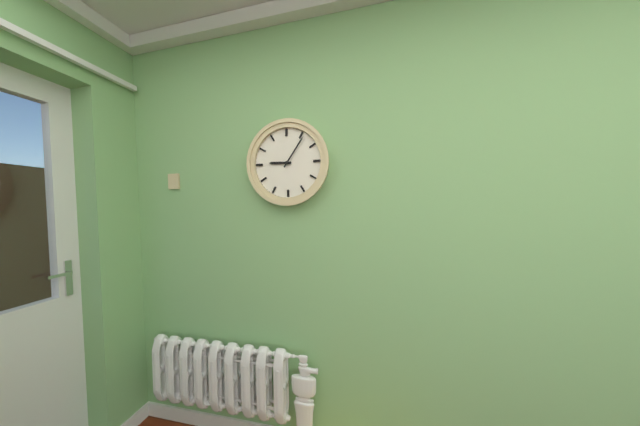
9:06
